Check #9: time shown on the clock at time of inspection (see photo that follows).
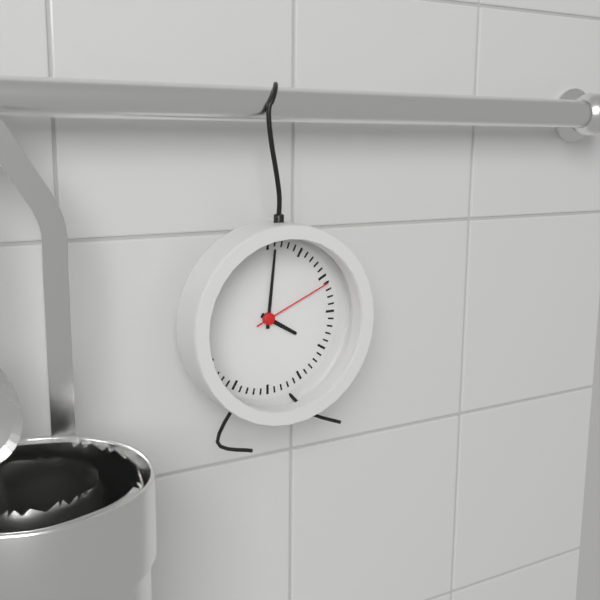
4:01:11
